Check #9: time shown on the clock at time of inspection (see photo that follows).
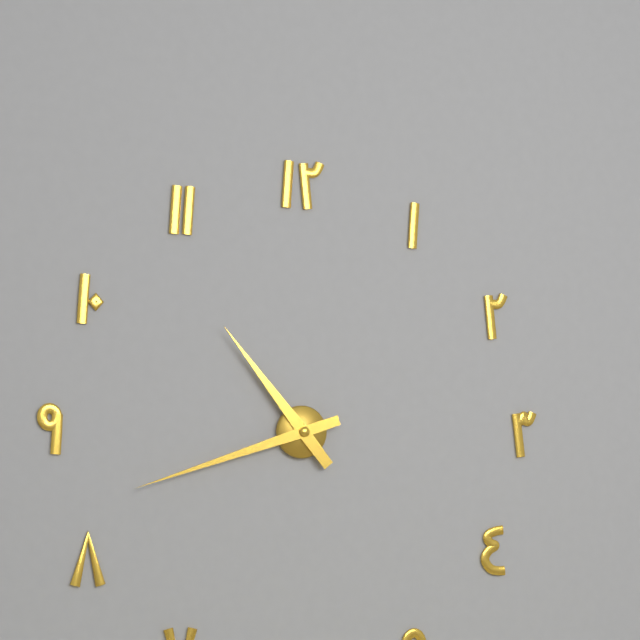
10:42
